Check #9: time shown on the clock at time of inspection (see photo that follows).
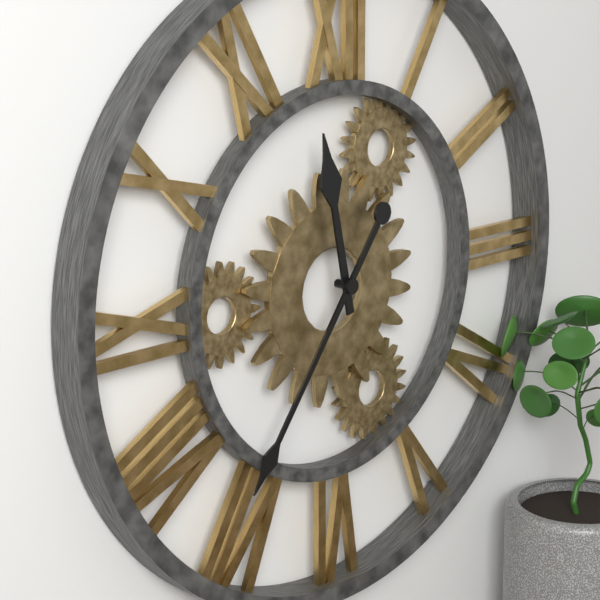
11:36
